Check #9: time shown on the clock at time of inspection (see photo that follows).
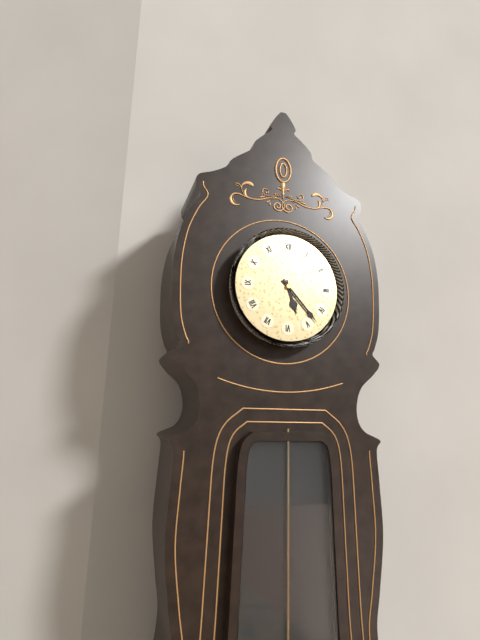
5:23
